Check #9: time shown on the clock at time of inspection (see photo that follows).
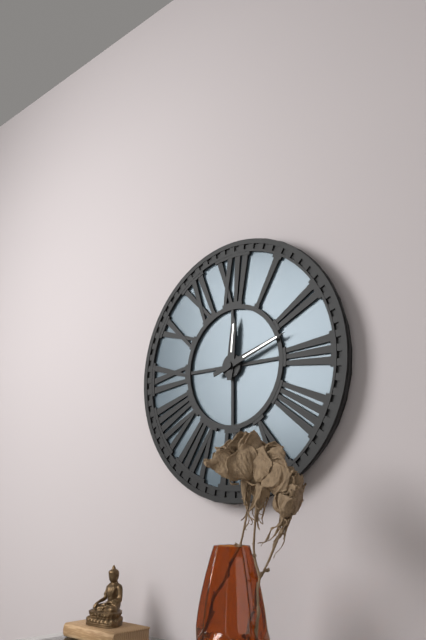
12:12
